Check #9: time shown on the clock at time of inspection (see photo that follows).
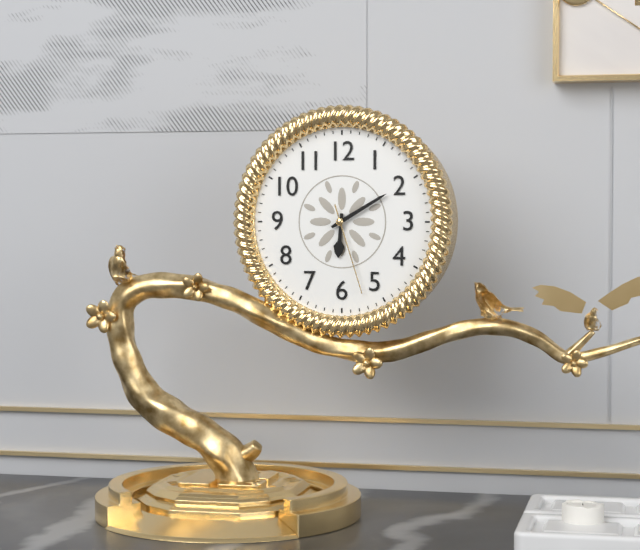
6:10:27
